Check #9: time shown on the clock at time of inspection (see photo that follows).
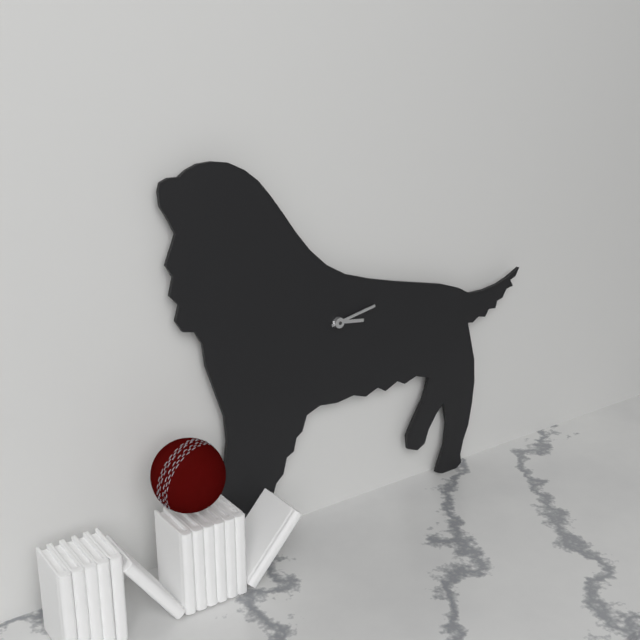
3:13
